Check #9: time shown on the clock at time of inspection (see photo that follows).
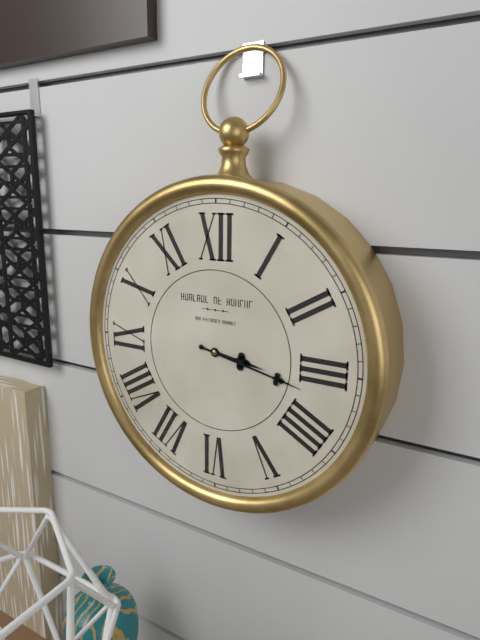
3:17
